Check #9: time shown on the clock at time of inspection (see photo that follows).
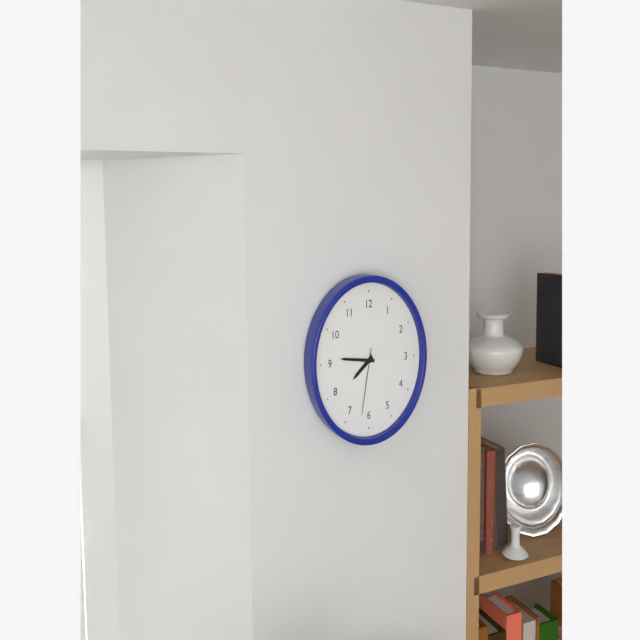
7:46:32
